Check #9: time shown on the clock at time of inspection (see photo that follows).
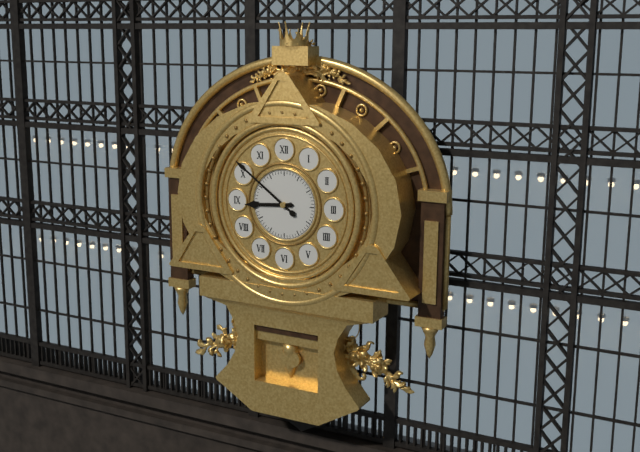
8:51
